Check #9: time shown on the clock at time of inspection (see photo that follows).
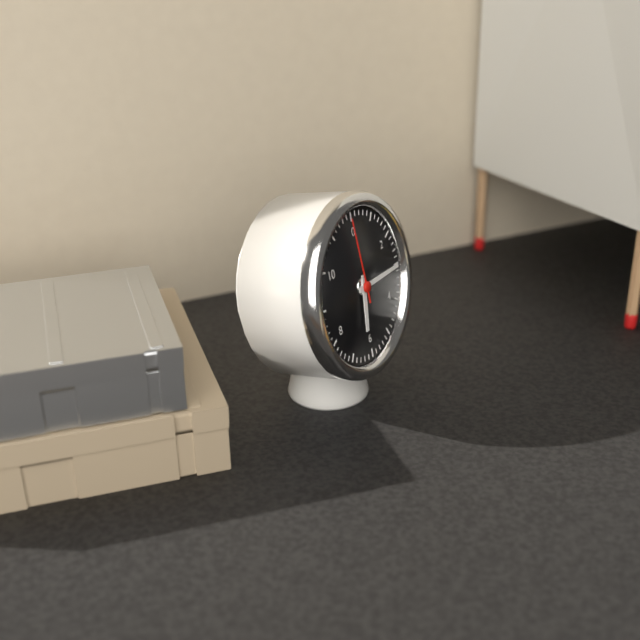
6:15:59
